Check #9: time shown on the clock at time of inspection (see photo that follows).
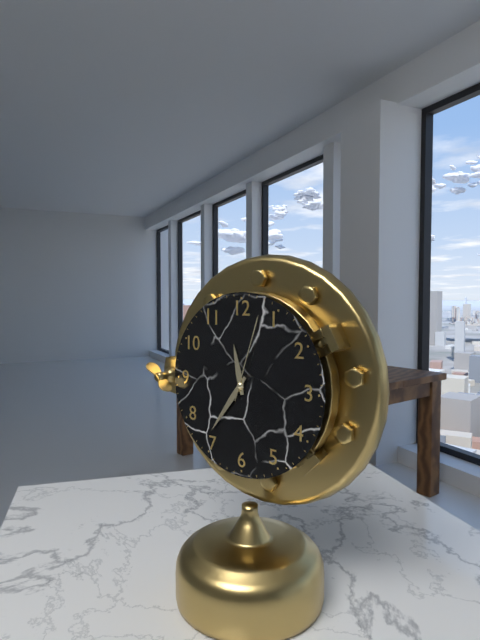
11:36:03
